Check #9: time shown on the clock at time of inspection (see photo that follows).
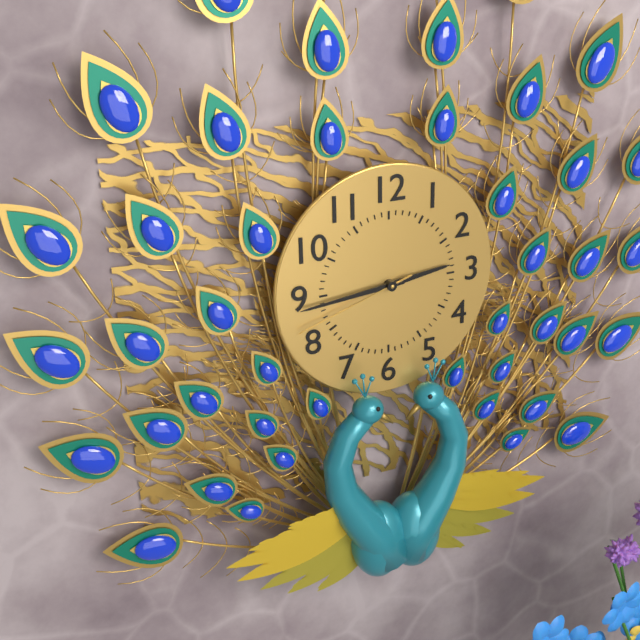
2:44:42
